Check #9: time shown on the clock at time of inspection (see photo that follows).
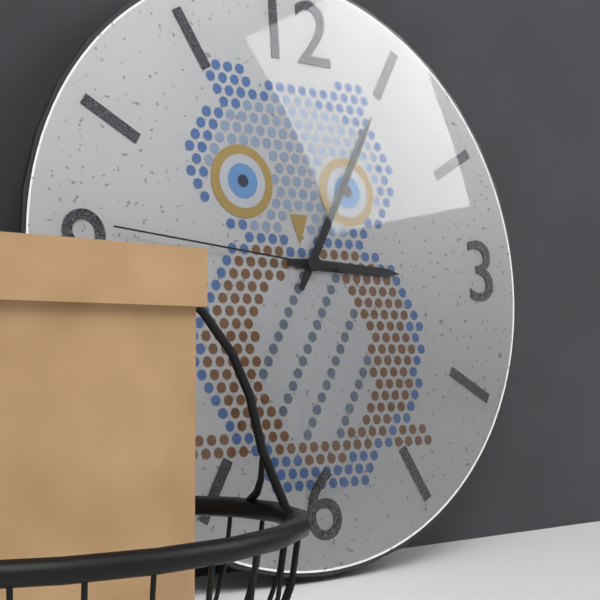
3:05:46
